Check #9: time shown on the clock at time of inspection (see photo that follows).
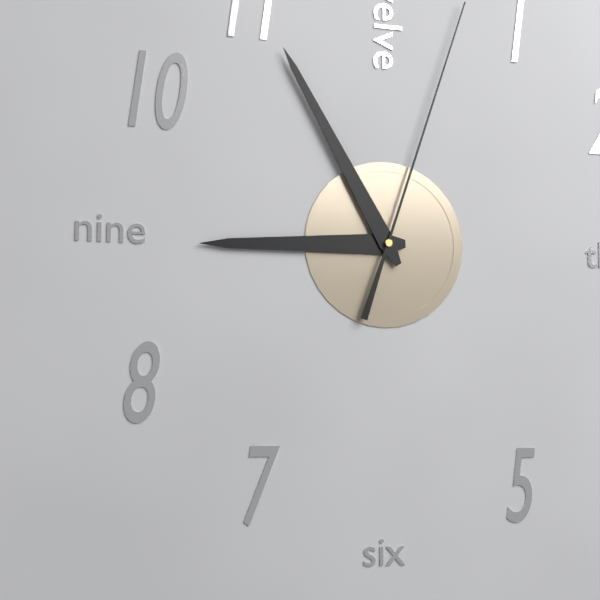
8:55:03
